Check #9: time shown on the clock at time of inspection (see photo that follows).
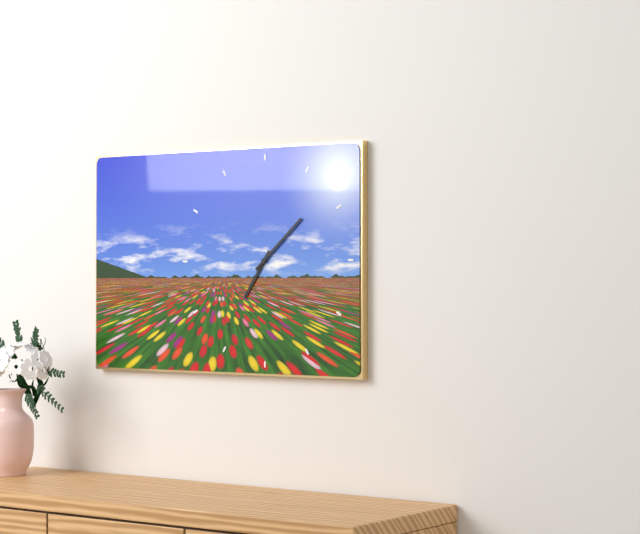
7:08
